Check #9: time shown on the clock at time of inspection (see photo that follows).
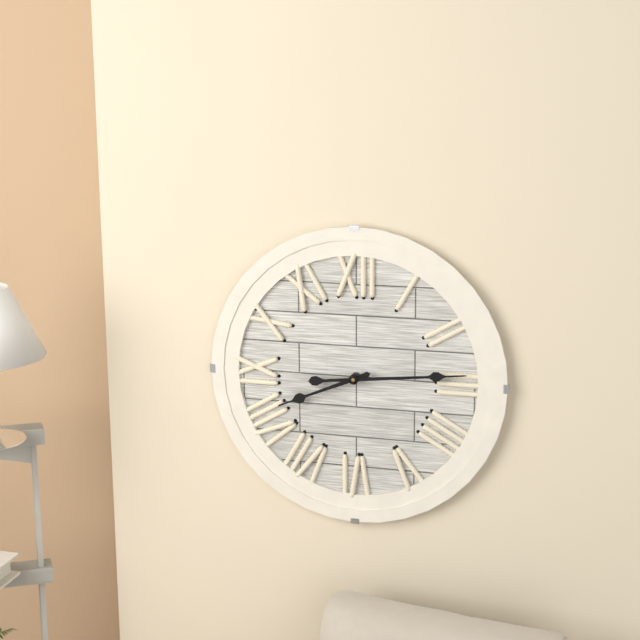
8:14
